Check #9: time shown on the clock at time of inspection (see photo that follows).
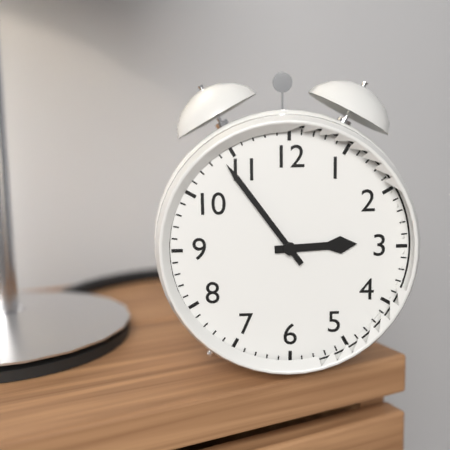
2:54
